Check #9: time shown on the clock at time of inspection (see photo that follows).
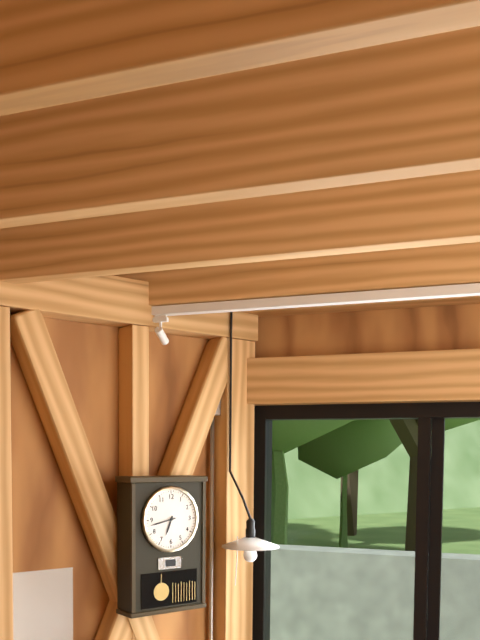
6:43
